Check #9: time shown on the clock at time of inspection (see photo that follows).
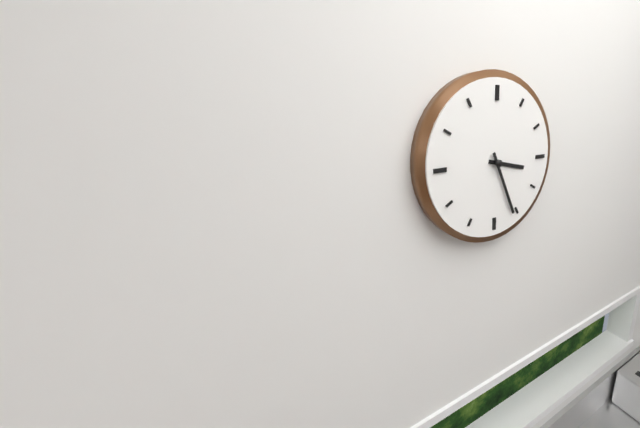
3:26
